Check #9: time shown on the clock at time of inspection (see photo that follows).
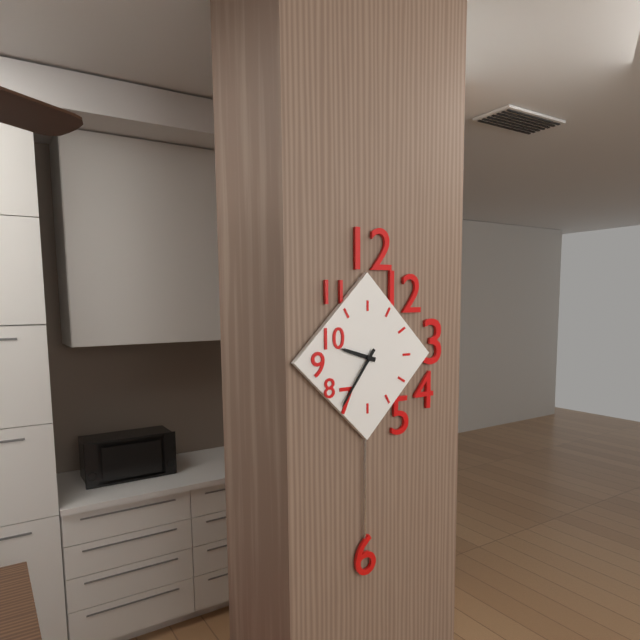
9:36
